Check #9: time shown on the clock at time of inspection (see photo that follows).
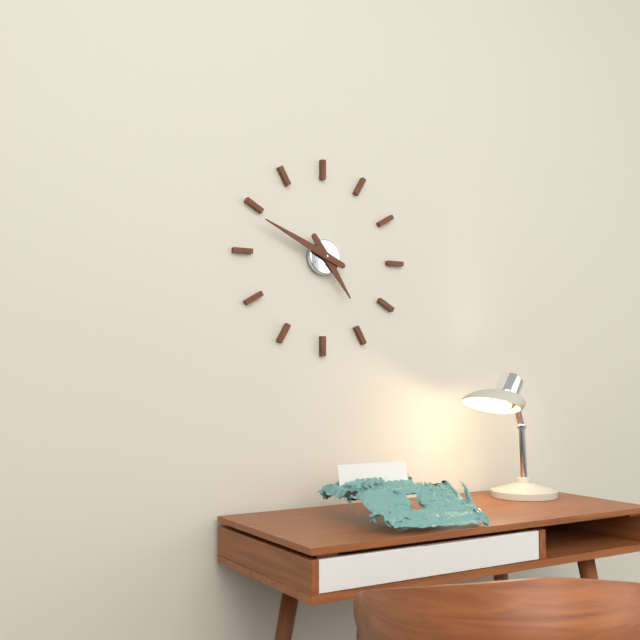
4:49
